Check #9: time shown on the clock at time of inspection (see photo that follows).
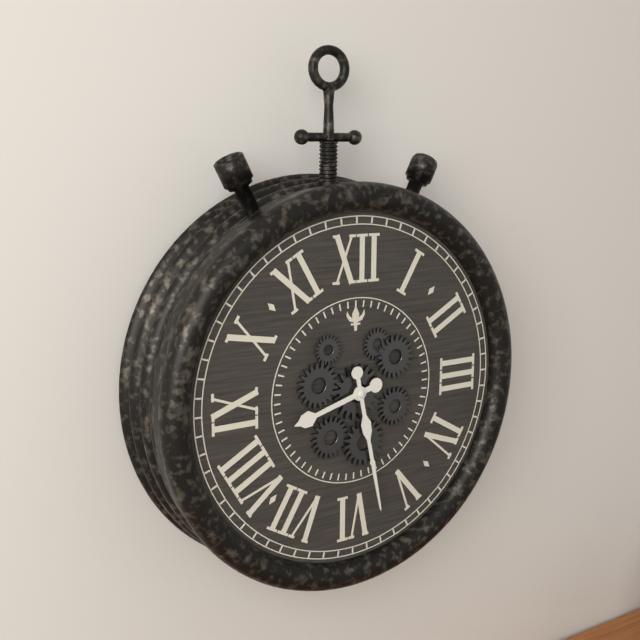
8:28
